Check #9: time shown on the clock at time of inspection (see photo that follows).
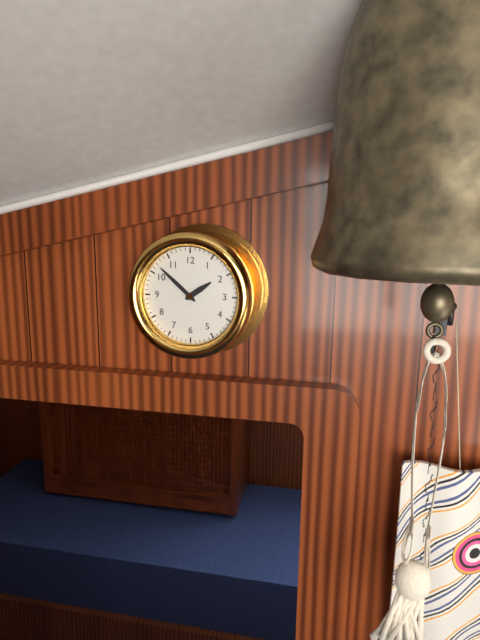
1:52
